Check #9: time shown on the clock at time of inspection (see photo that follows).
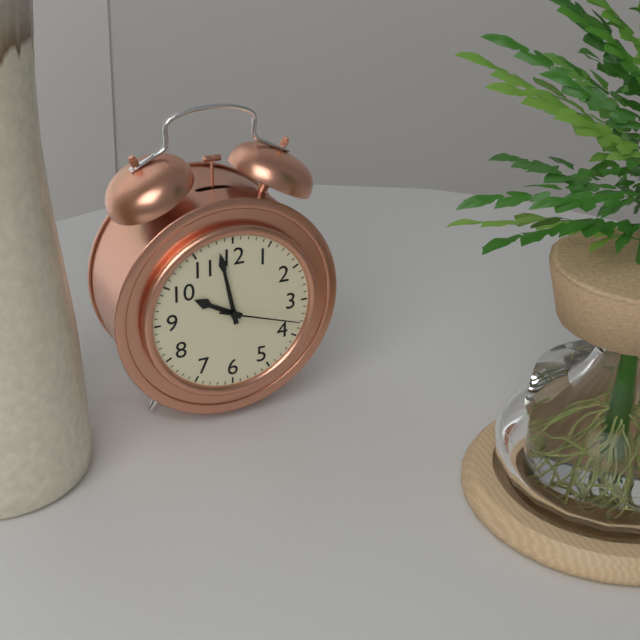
9:58:18
